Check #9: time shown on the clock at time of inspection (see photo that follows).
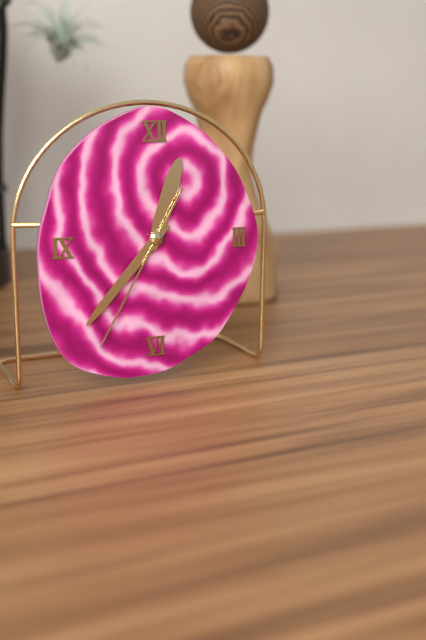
12:37:35
